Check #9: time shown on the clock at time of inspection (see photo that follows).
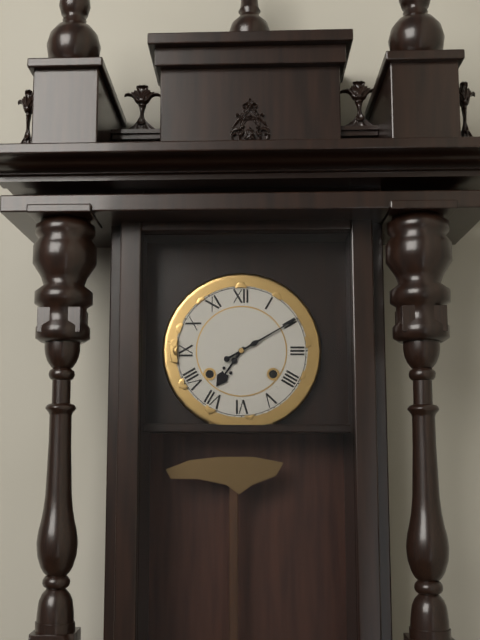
7:10
